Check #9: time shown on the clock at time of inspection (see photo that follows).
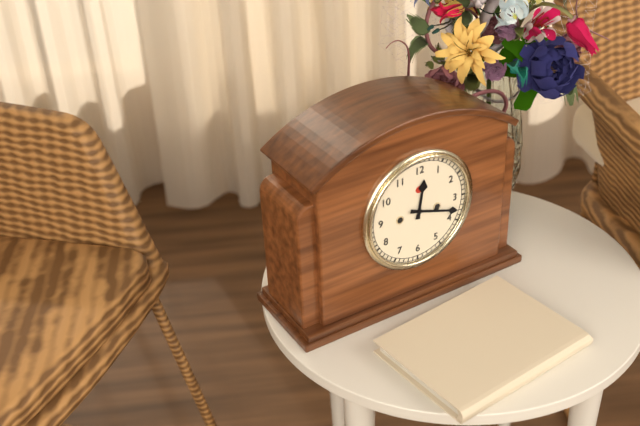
12:18
